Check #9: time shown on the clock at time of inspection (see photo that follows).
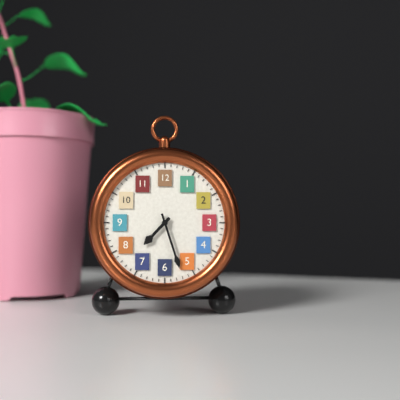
7:27
